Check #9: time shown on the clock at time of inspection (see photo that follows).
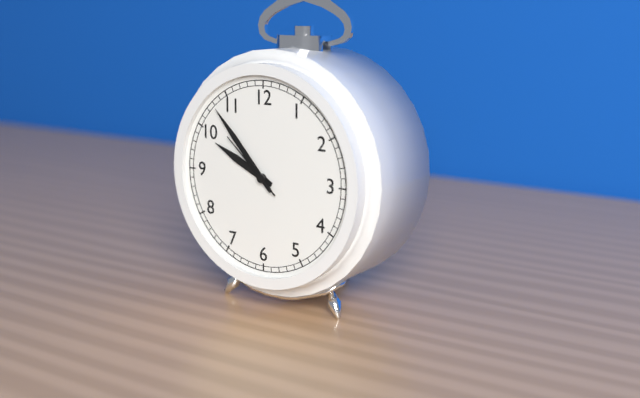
9:53:52
